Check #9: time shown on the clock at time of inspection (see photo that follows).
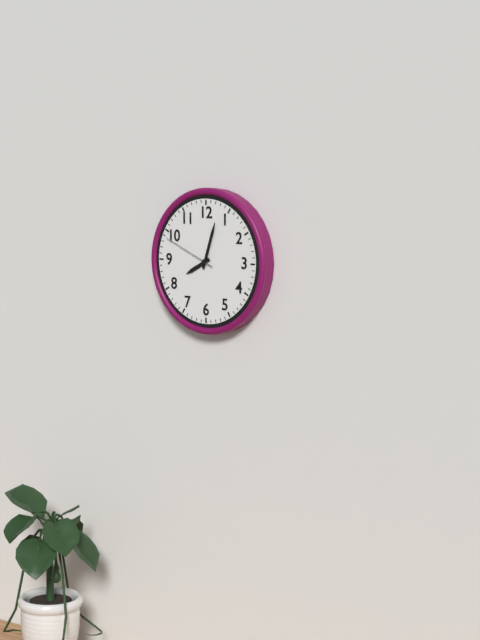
8:03:49
